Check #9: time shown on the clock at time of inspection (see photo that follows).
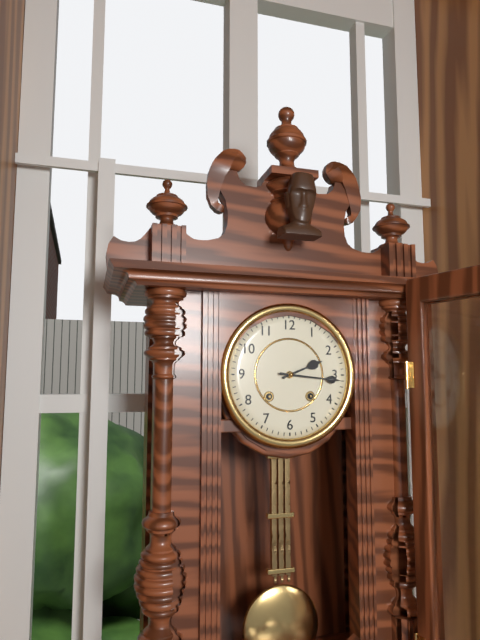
2:16
